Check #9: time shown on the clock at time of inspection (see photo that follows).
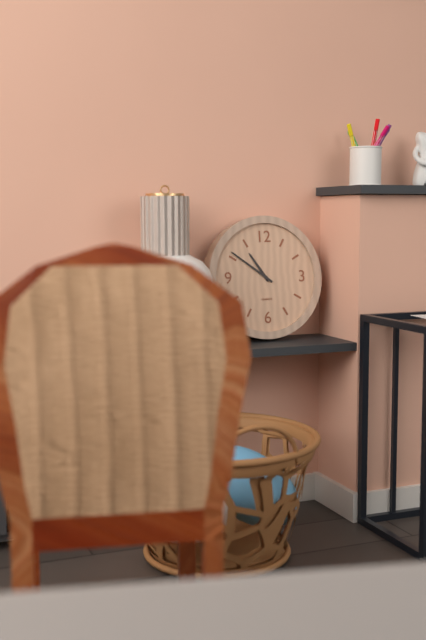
10:51
